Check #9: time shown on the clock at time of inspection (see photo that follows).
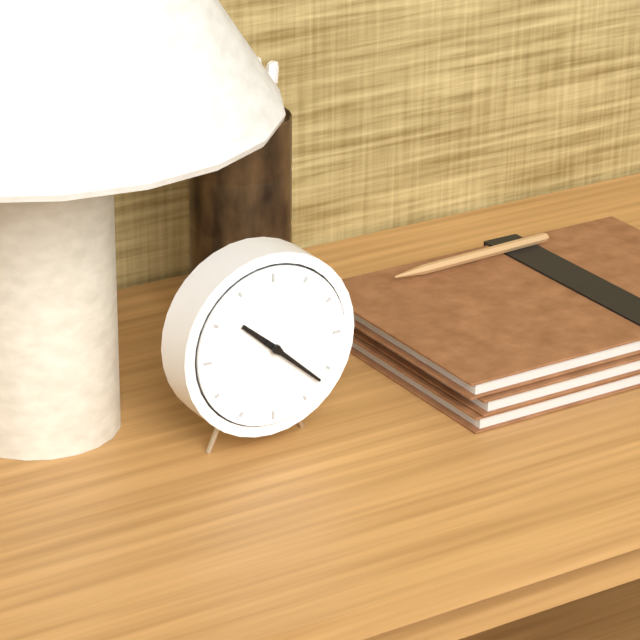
10:22
